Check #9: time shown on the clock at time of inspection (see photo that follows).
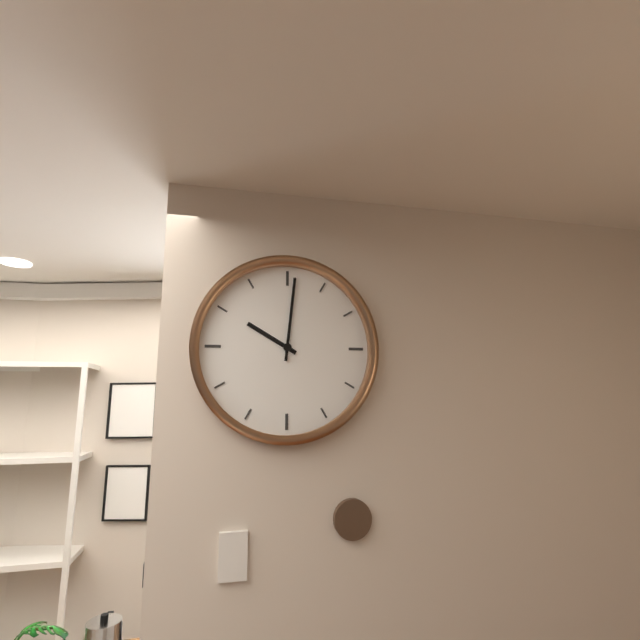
10:01
